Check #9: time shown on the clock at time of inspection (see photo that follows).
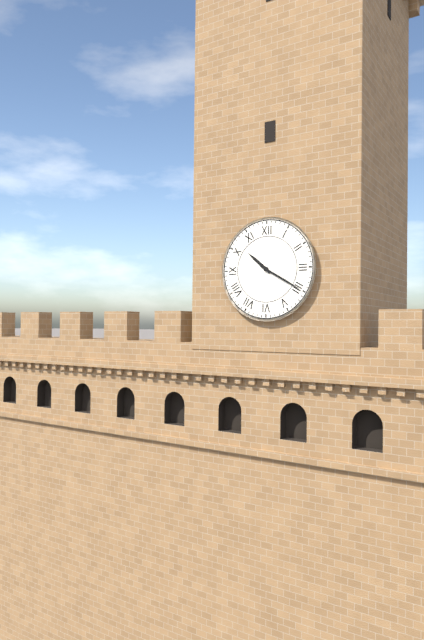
10:20
